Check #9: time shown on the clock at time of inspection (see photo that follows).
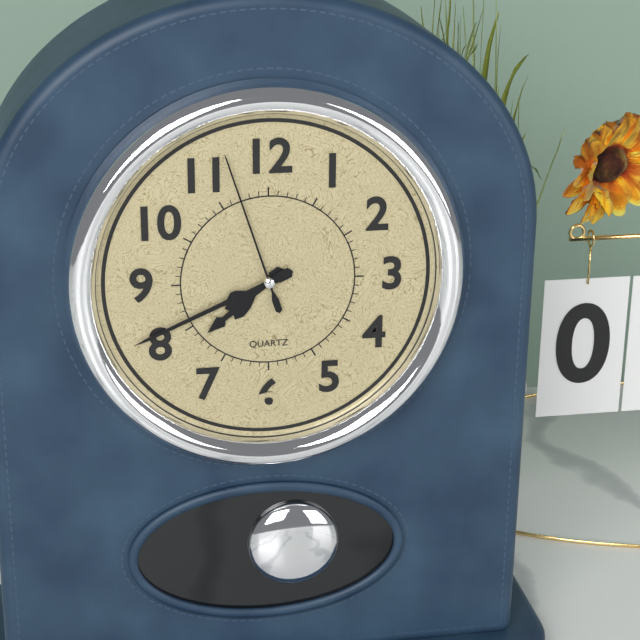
7:41:57
